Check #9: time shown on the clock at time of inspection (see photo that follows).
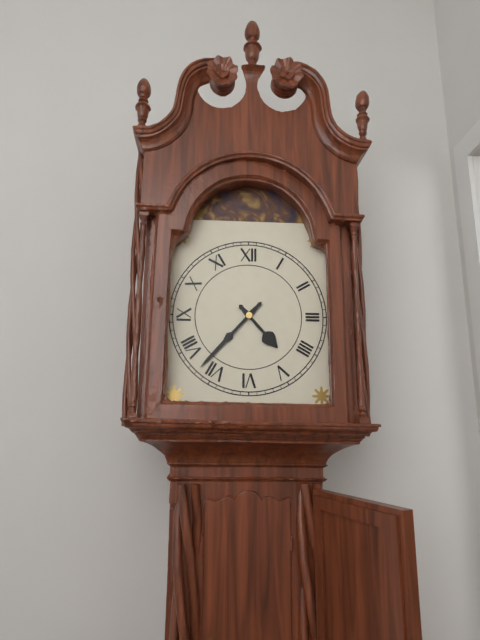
4:37
